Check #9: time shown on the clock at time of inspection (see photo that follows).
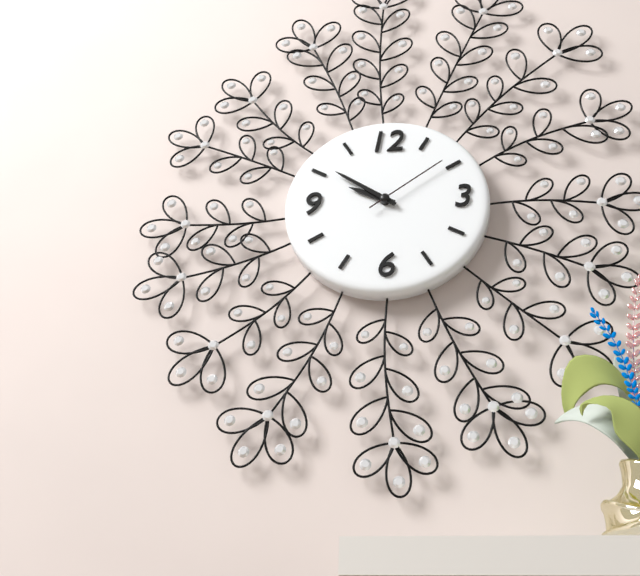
9:51:09
